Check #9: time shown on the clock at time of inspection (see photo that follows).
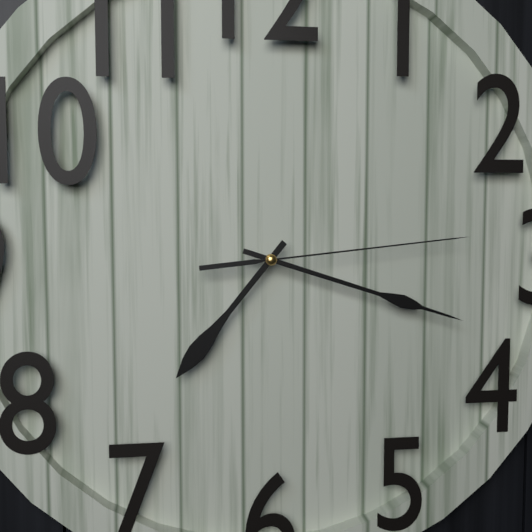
7:18:14
